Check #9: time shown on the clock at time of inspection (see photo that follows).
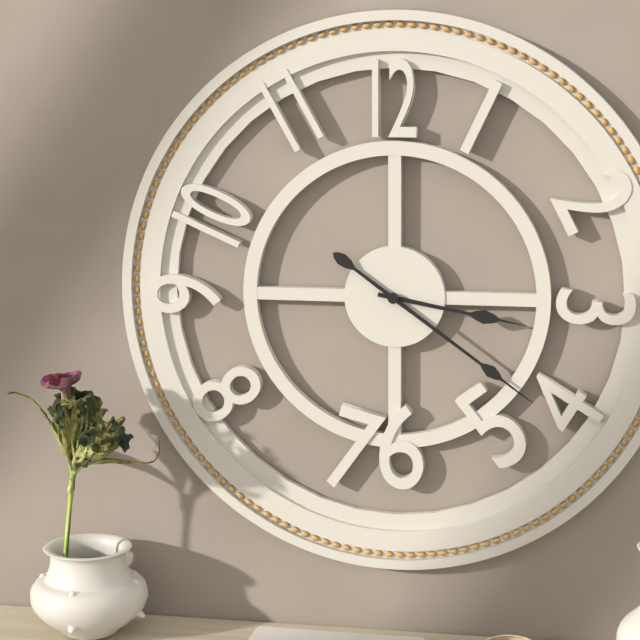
3:21
